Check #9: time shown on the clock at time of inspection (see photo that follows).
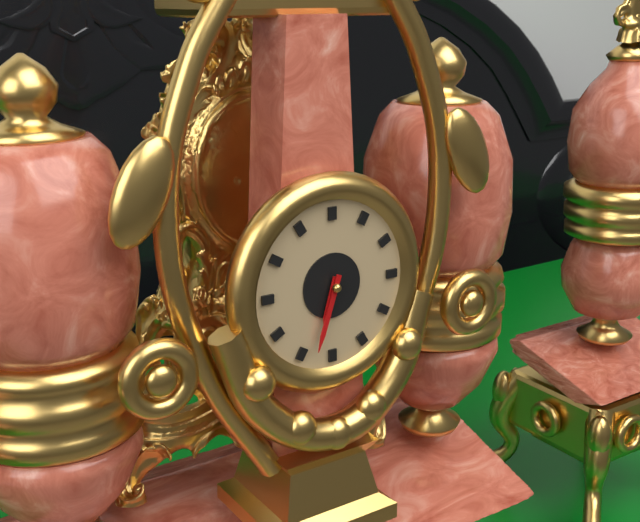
6:33
